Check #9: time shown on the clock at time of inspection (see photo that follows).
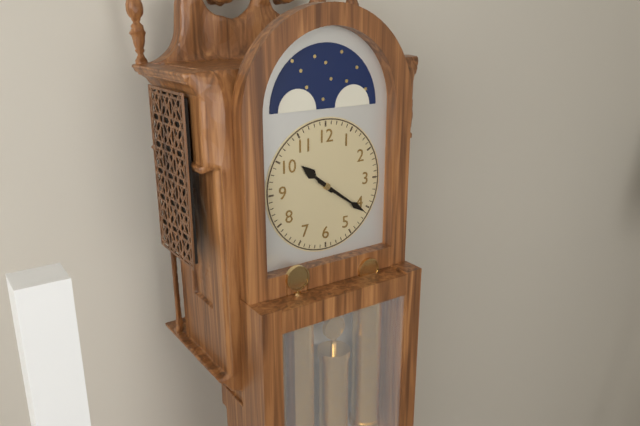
10:21
